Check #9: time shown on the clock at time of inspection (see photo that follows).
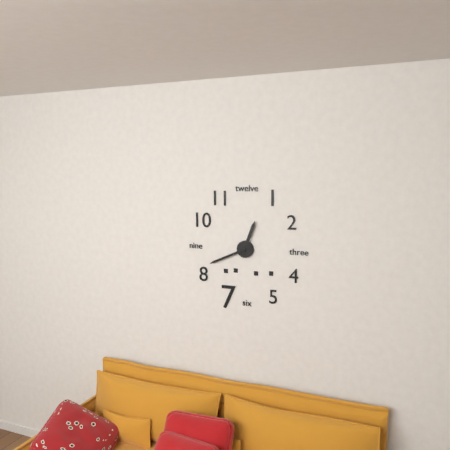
12:41
